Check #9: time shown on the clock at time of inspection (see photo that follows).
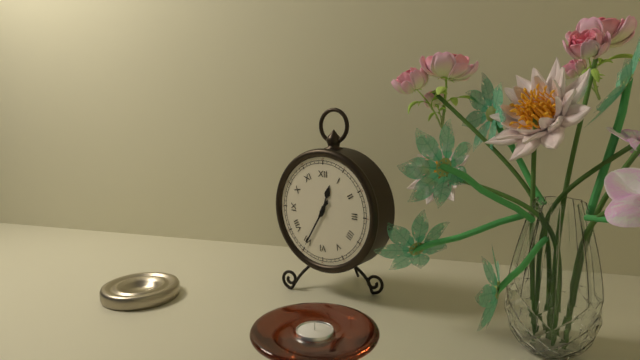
12:35
